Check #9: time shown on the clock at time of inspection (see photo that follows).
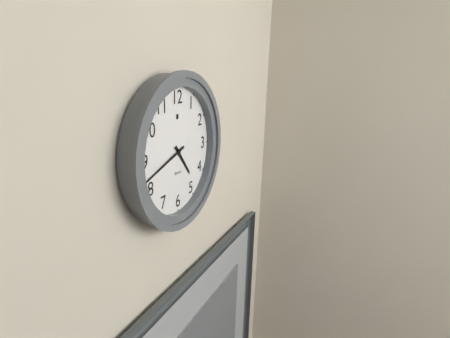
4:42
